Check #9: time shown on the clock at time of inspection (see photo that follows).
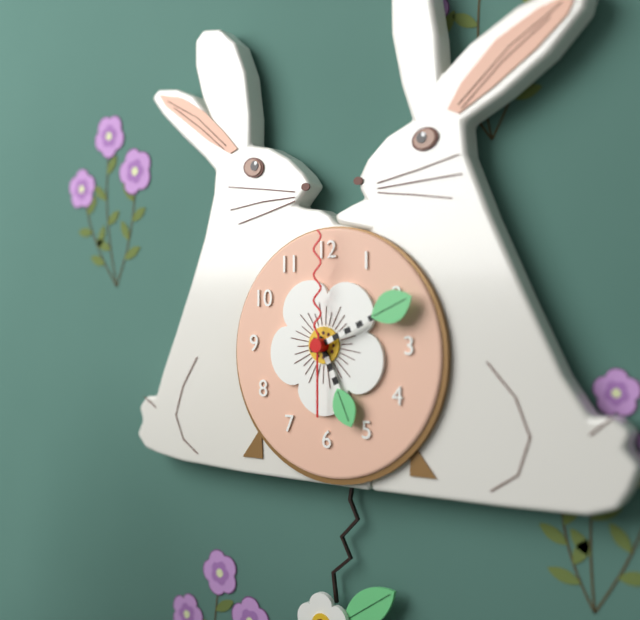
5:11:00
